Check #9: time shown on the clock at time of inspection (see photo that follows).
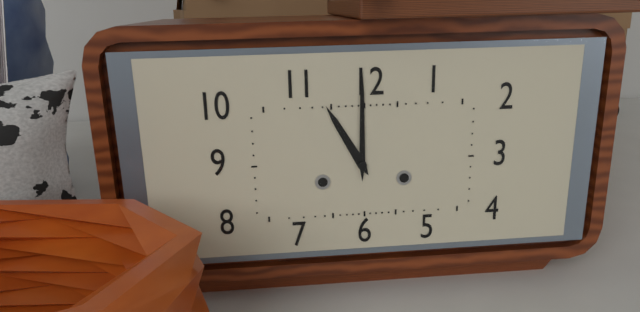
11:00
